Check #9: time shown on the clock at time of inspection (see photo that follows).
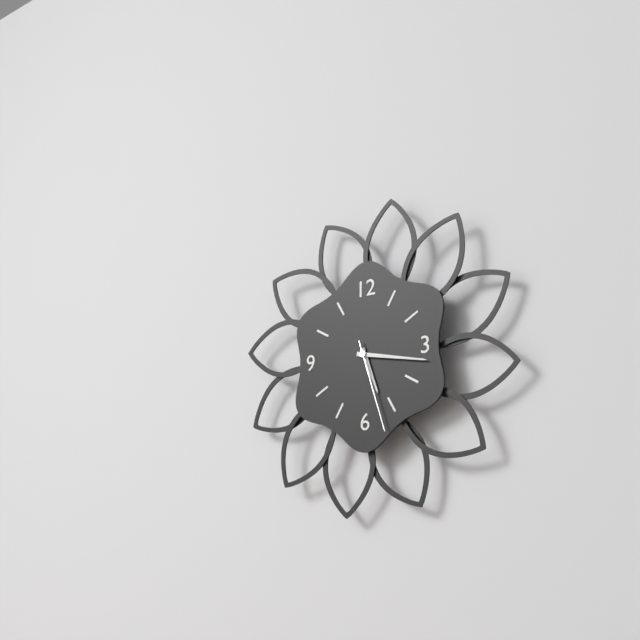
5:17:27
